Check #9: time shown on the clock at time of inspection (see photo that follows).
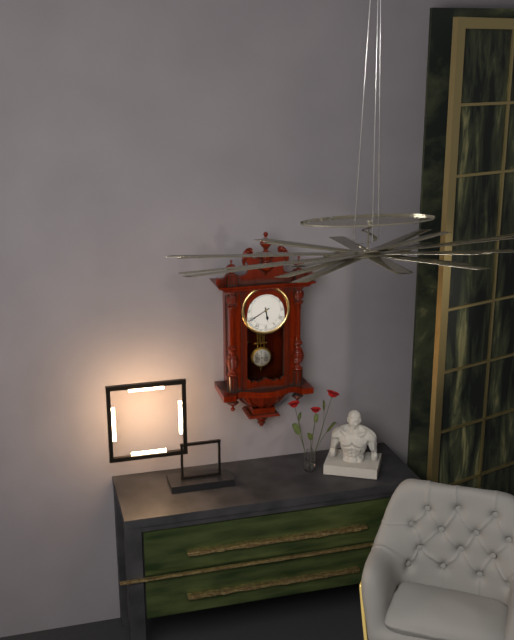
5:40
